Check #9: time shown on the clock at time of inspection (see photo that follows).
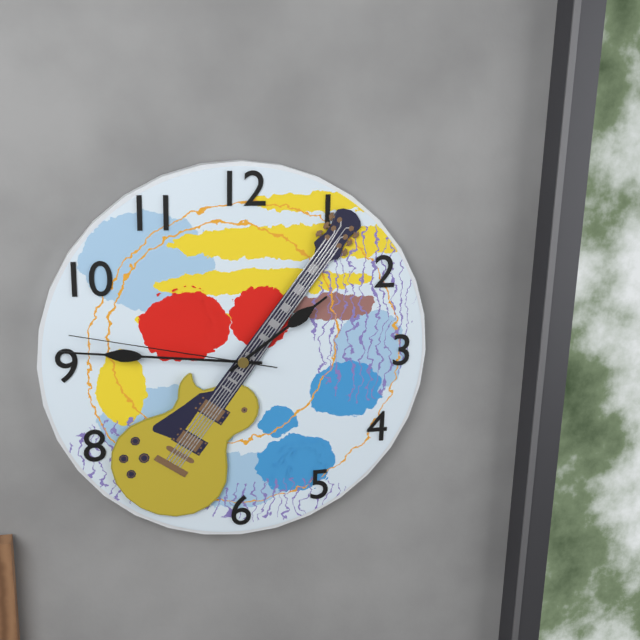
1:46:47
